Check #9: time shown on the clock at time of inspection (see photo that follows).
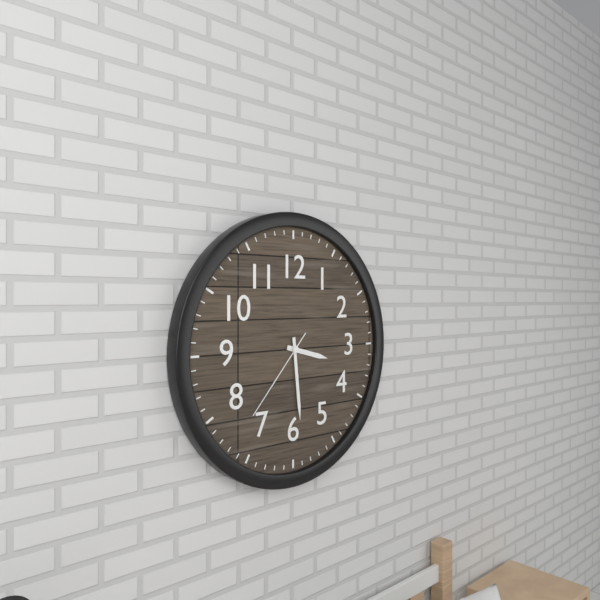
3:29:37
